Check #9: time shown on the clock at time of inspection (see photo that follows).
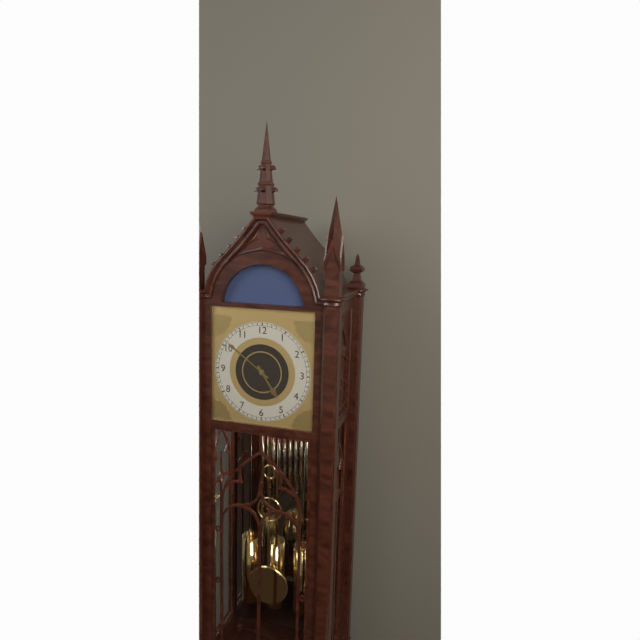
4:51
